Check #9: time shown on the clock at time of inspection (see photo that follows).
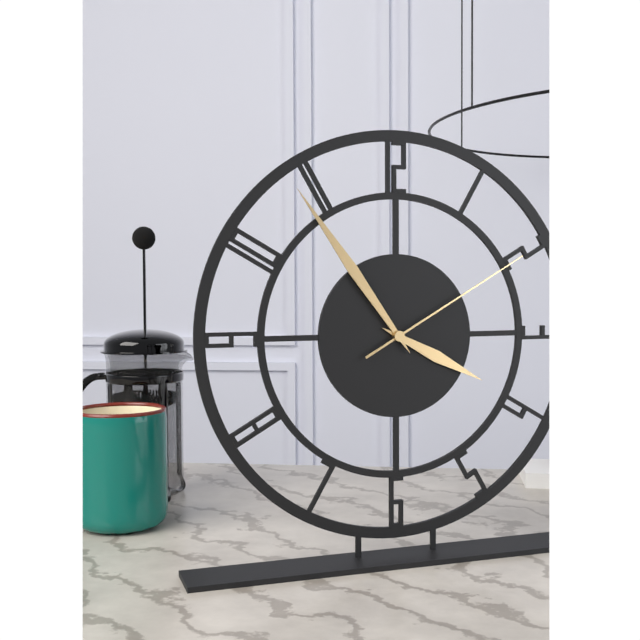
3:54:10
